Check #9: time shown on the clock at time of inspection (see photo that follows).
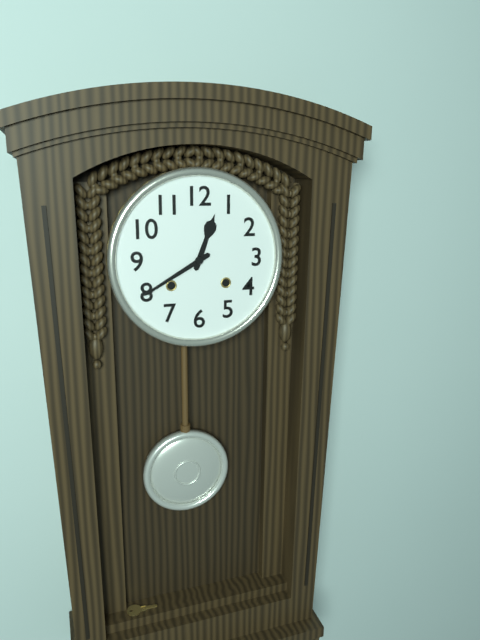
12:40
